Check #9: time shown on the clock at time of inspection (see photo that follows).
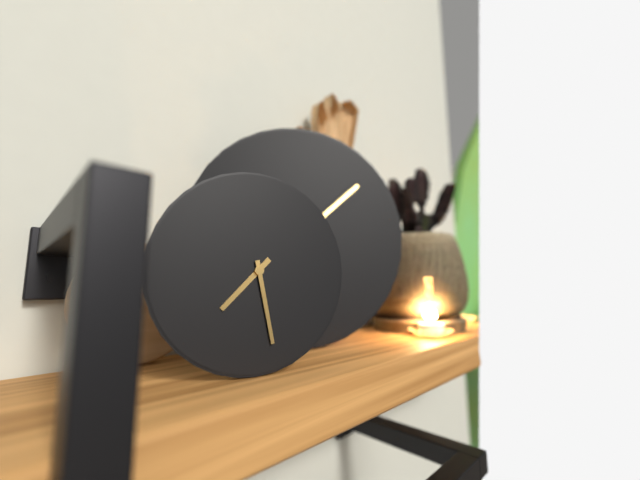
7:28
